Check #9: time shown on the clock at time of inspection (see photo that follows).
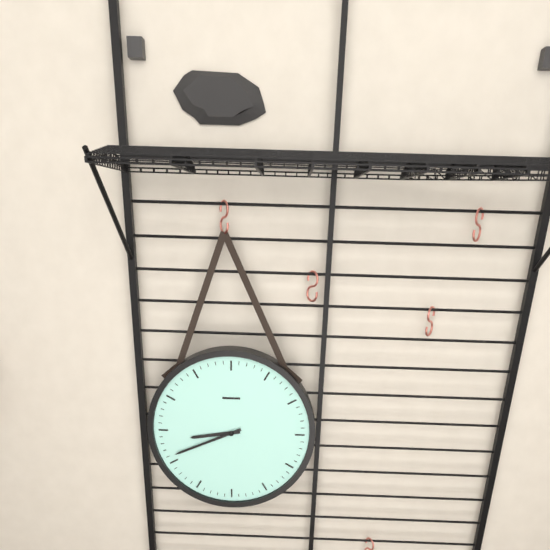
8:41
